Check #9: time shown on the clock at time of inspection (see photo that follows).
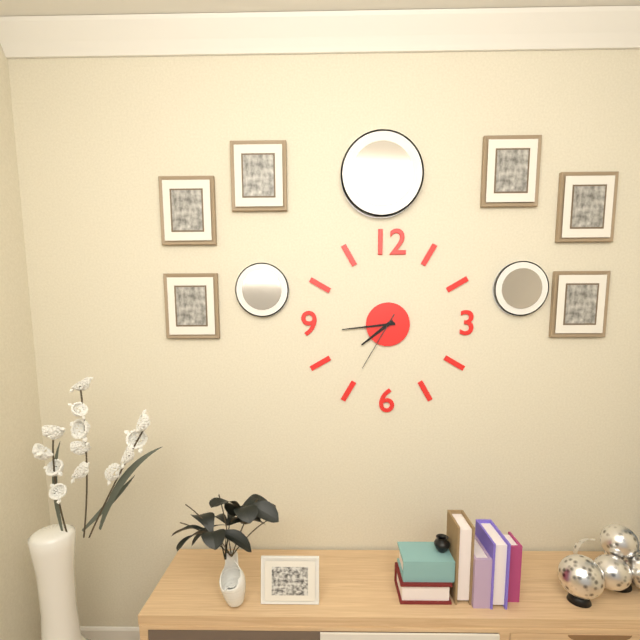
7:44:35
